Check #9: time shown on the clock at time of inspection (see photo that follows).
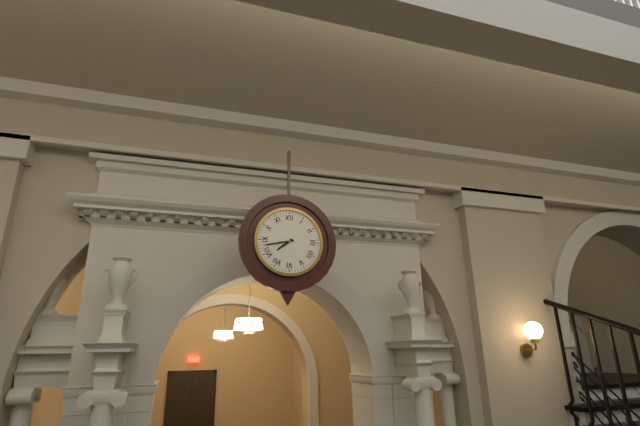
7:43
